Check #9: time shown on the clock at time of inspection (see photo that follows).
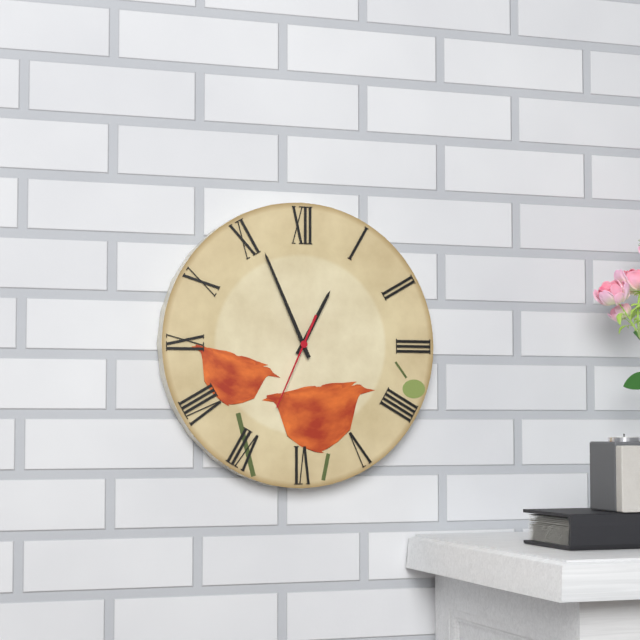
12:56:34
